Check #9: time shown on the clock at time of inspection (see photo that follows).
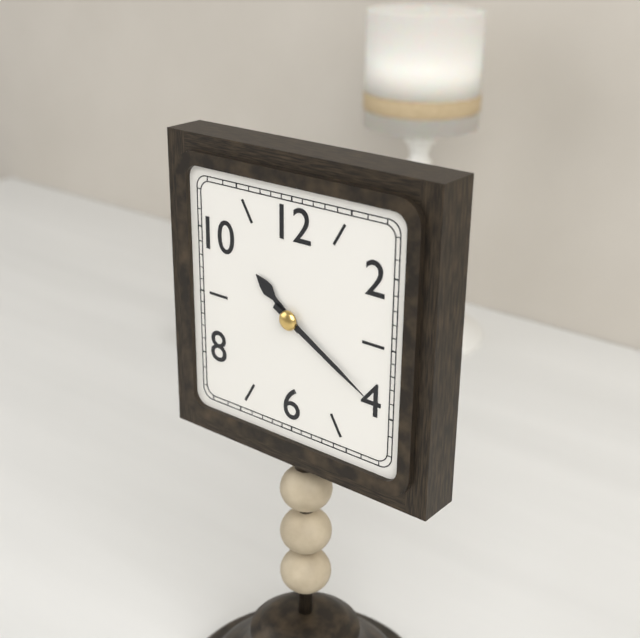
10:20
